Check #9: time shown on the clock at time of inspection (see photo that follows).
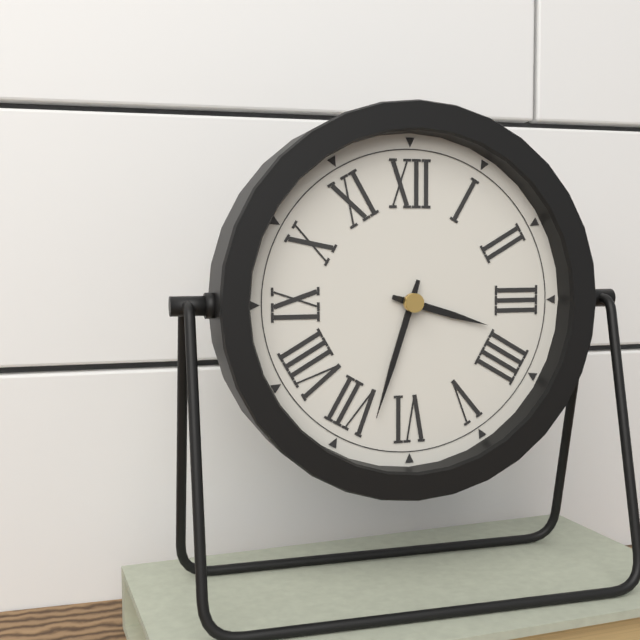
3:33
